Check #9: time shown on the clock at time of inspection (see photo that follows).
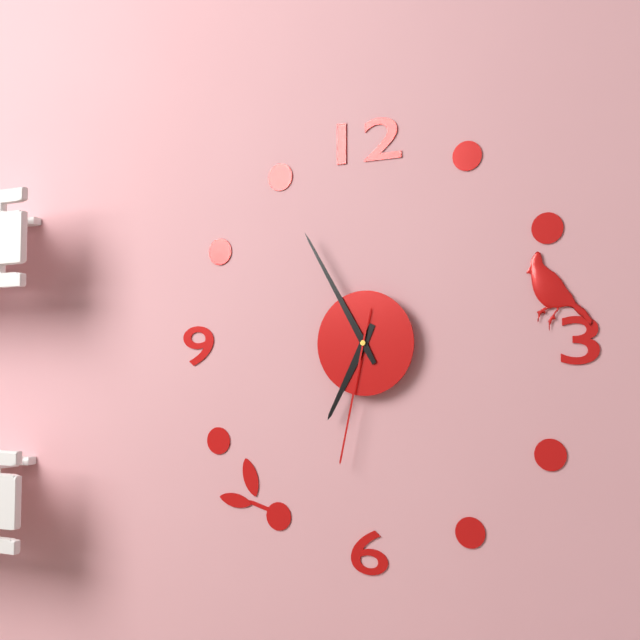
6:55:32
